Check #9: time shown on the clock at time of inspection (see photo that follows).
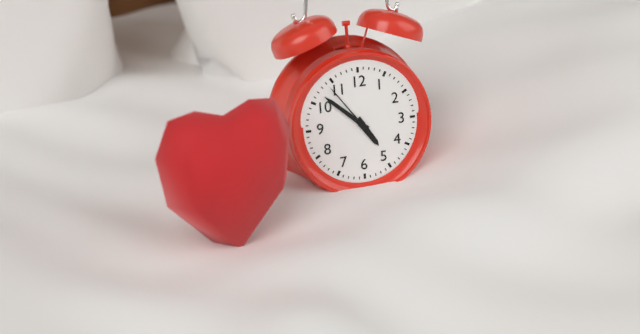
4:52:54
